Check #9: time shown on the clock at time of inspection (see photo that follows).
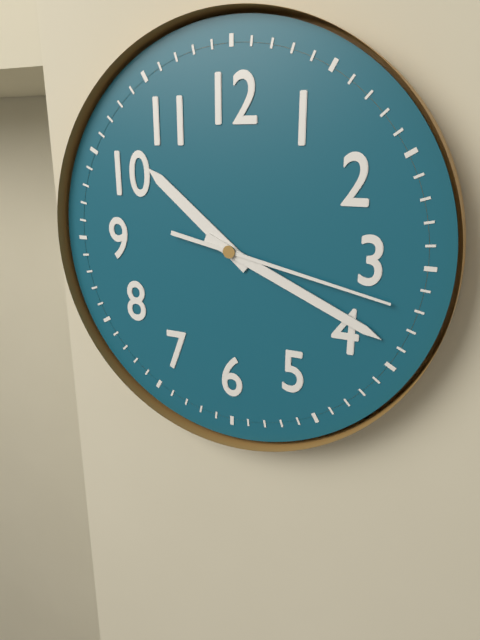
10:19:17
